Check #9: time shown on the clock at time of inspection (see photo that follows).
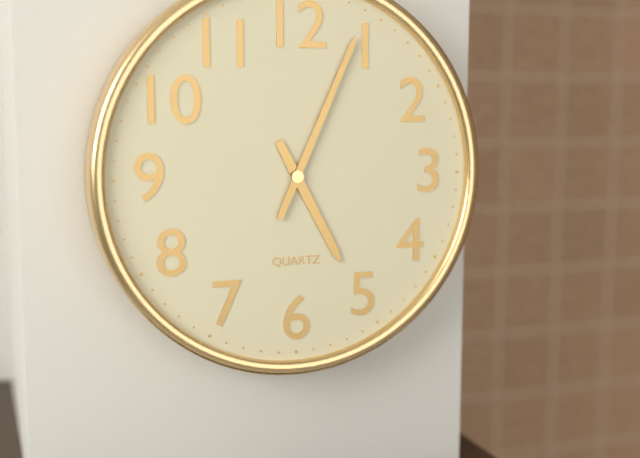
5:04
